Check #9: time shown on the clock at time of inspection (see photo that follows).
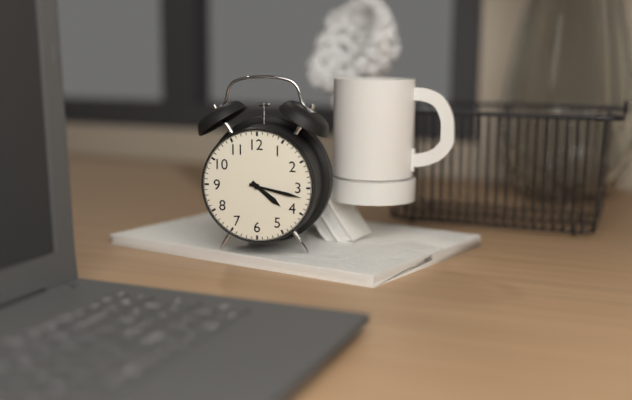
4:17
